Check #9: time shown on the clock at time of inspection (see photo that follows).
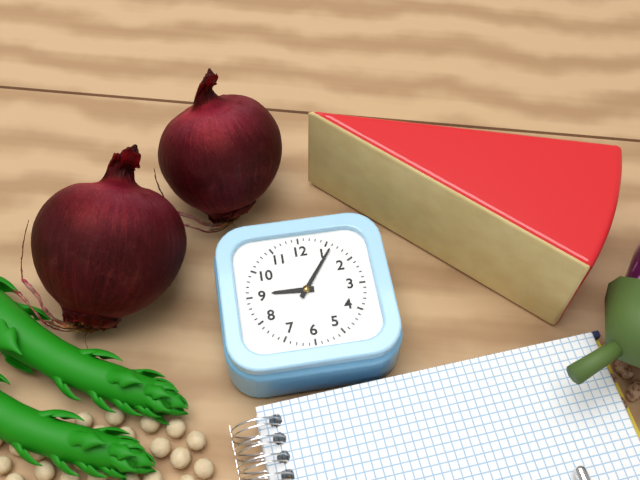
9:06
